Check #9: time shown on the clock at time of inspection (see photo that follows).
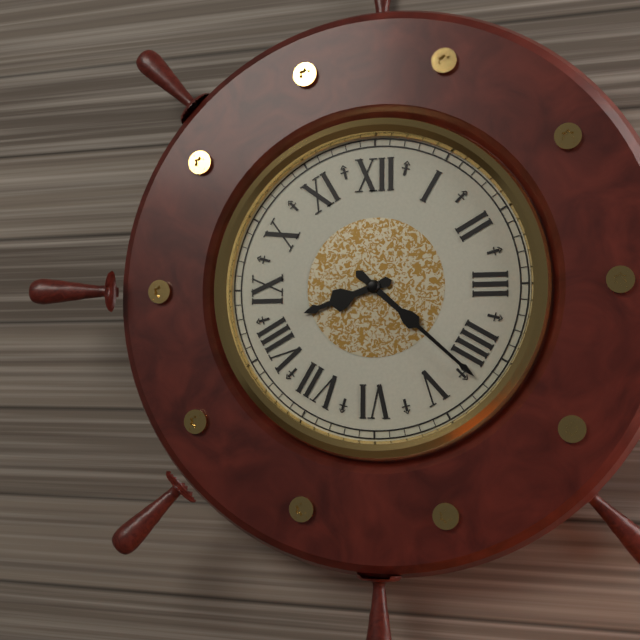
8:22
